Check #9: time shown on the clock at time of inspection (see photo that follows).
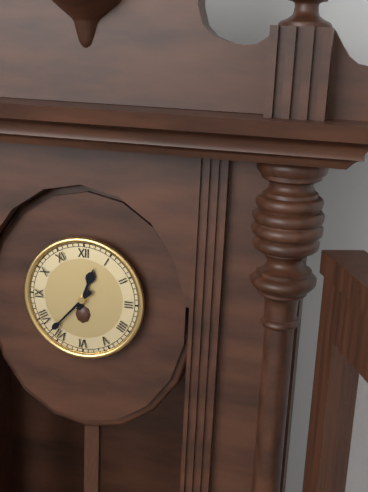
12:37
